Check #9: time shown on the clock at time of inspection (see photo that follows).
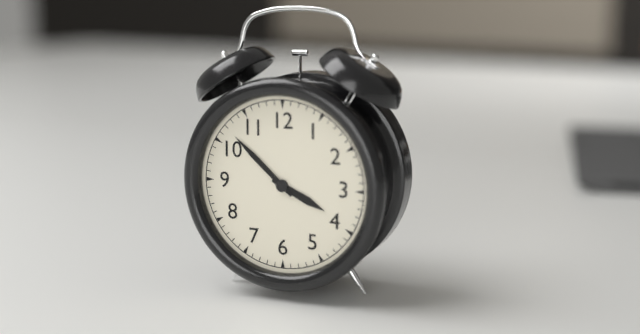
3:52
